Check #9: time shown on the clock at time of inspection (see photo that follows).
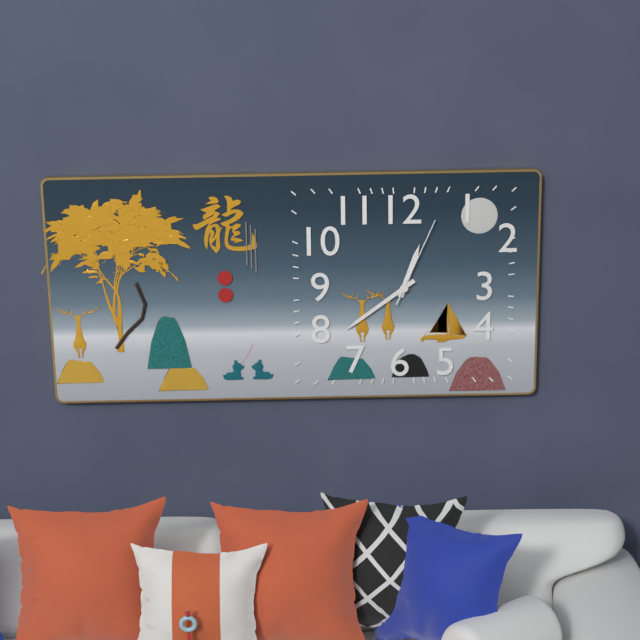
12:39:04
